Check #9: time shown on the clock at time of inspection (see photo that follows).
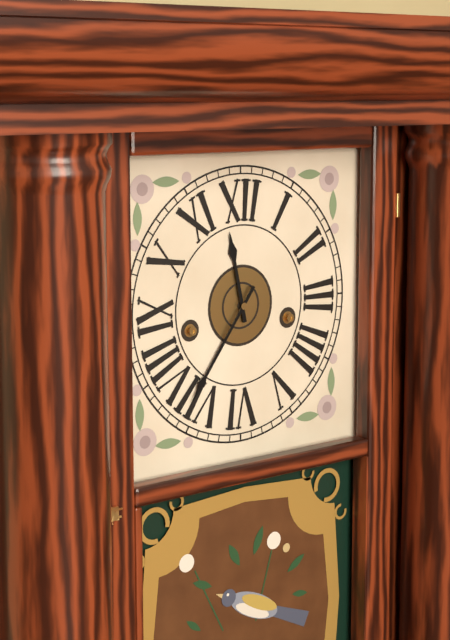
11:36
